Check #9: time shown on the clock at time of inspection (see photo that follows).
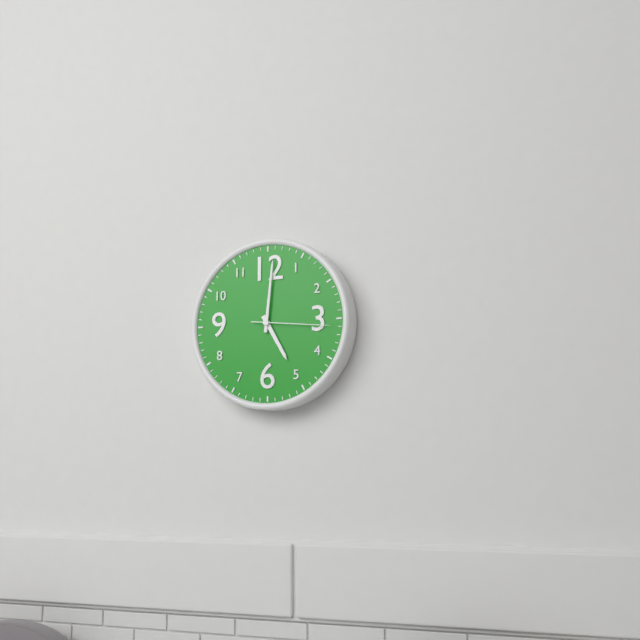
5:01:16
